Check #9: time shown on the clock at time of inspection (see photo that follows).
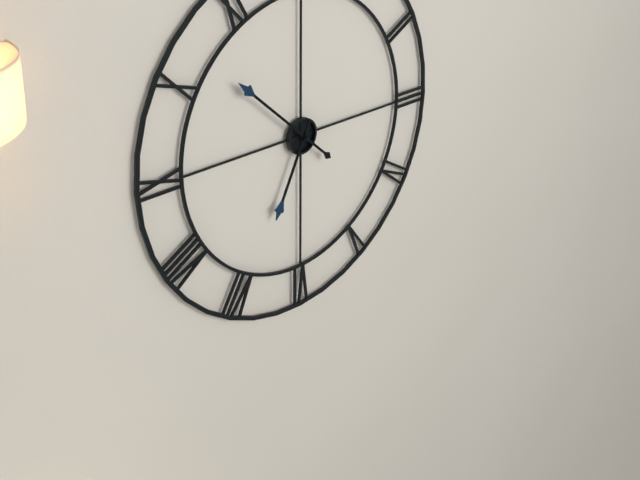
6:52
